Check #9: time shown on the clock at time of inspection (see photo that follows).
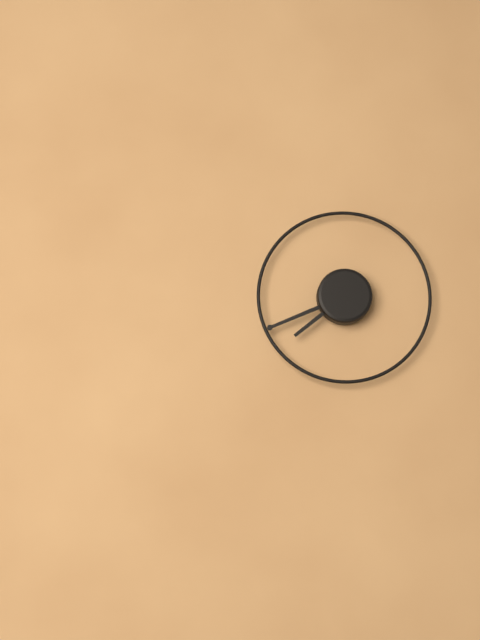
7:41
